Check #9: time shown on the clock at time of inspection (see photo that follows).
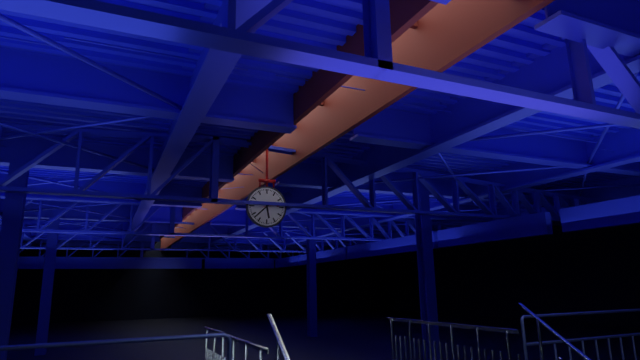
5:38
